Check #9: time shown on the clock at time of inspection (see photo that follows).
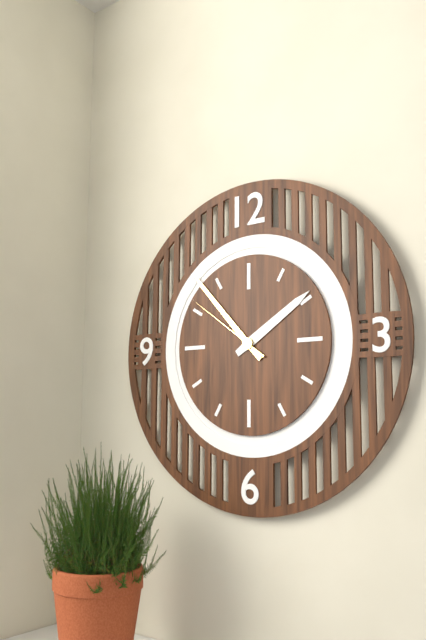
1:53:51
